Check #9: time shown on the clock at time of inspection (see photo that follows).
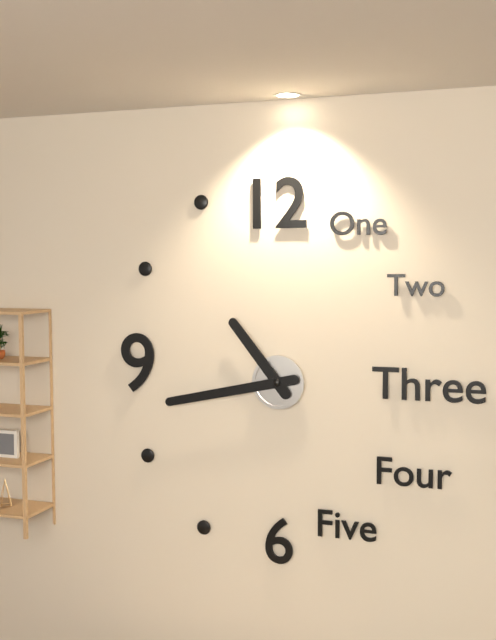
10:43
